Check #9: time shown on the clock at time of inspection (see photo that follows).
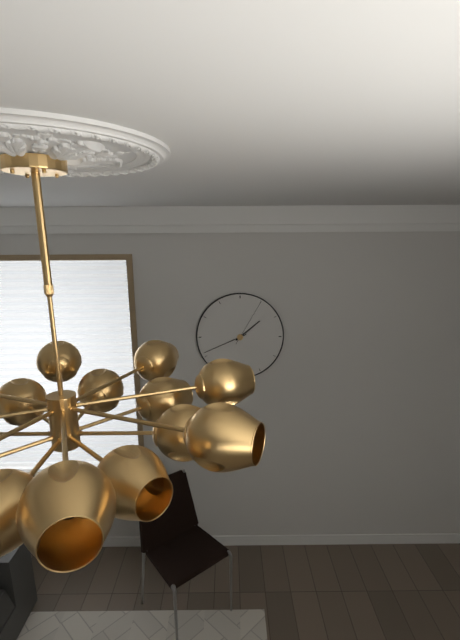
1:41:05
